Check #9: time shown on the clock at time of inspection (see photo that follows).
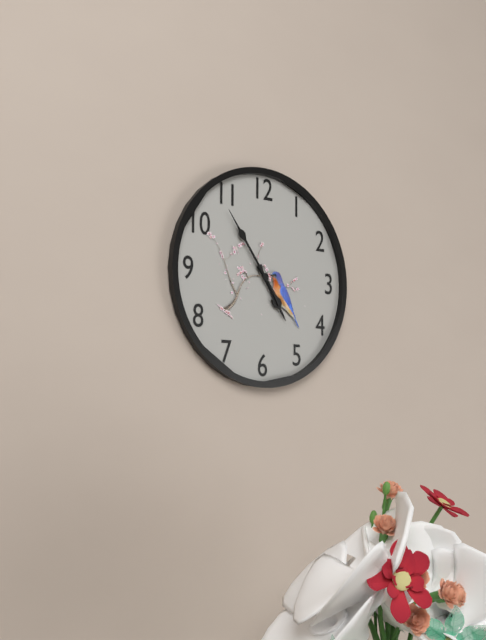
4:54
